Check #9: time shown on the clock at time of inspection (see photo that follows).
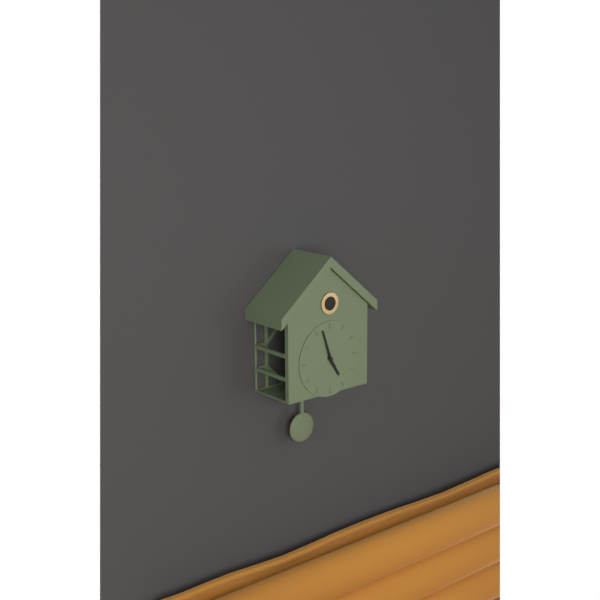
4:57
